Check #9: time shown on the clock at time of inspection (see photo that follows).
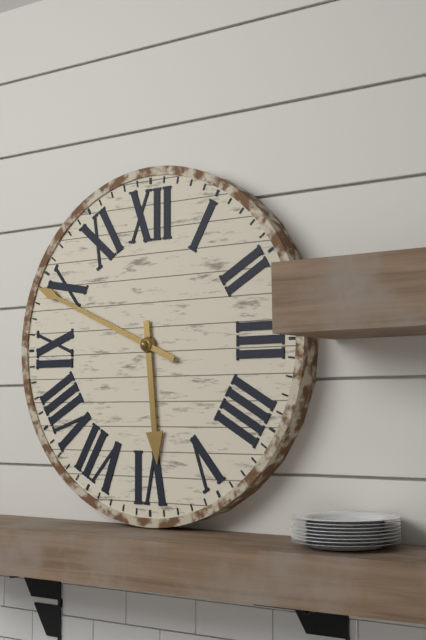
5:49
